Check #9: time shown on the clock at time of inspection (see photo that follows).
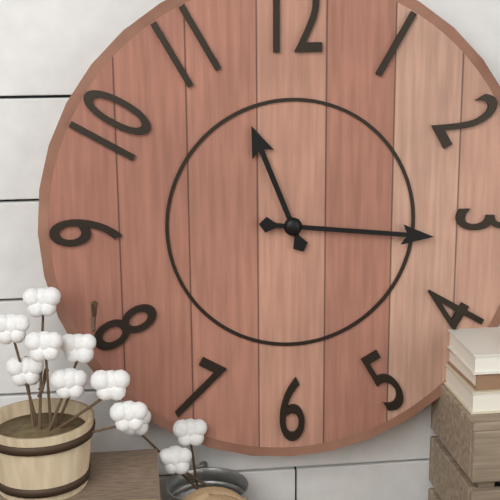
11:16
